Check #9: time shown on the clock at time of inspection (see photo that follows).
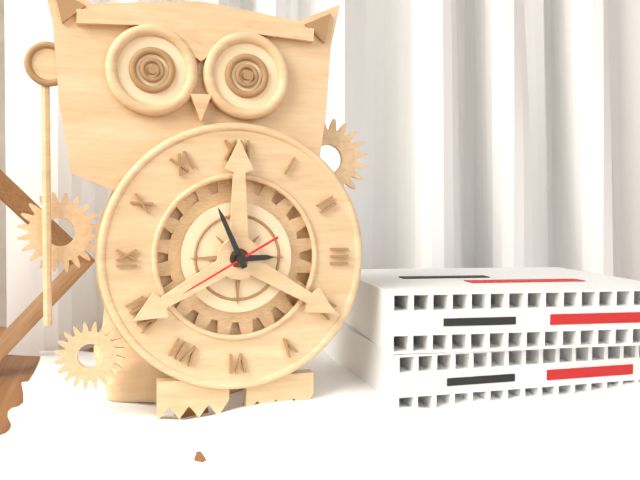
2:56:40
